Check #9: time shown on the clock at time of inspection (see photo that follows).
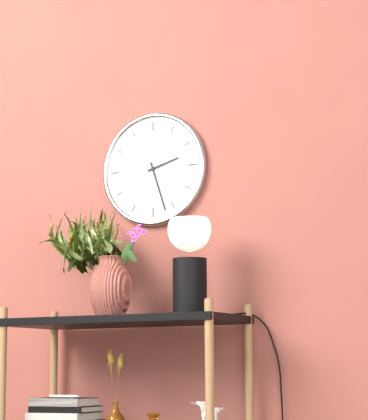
2:27
